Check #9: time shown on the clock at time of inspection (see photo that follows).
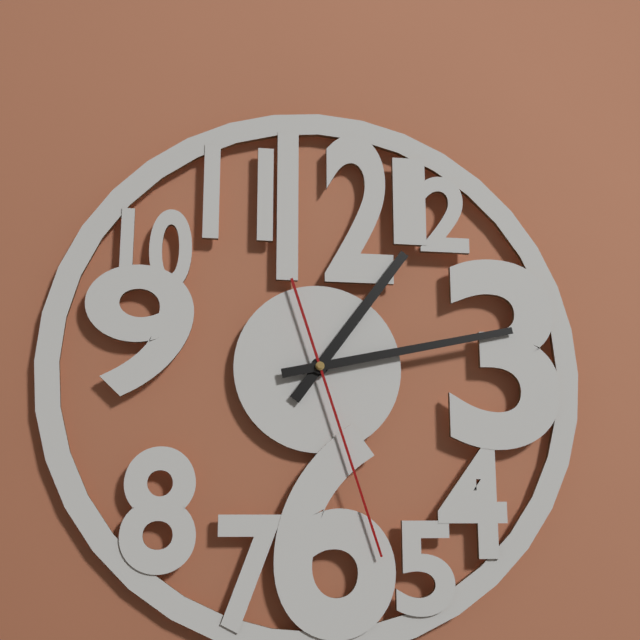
1:13:27
